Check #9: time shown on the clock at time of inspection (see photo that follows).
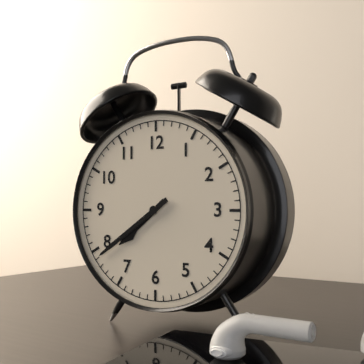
7:39
